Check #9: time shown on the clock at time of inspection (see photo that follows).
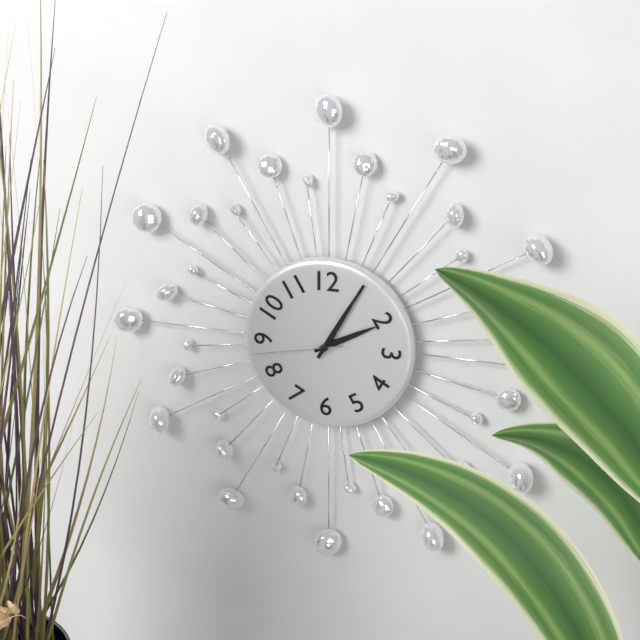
2:05:43
